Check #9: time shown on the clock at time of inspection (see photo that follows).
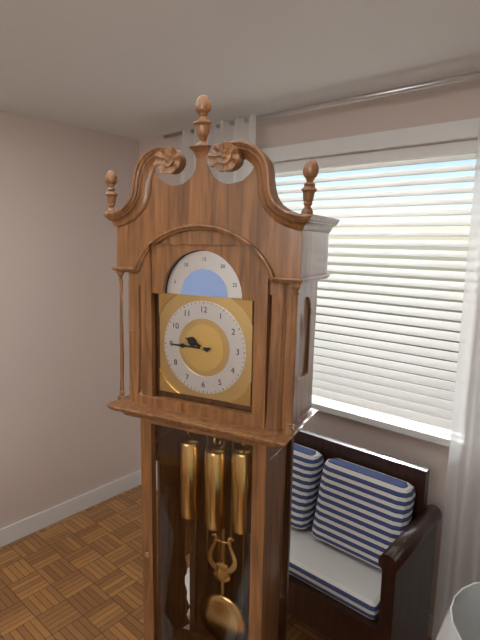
9:45
